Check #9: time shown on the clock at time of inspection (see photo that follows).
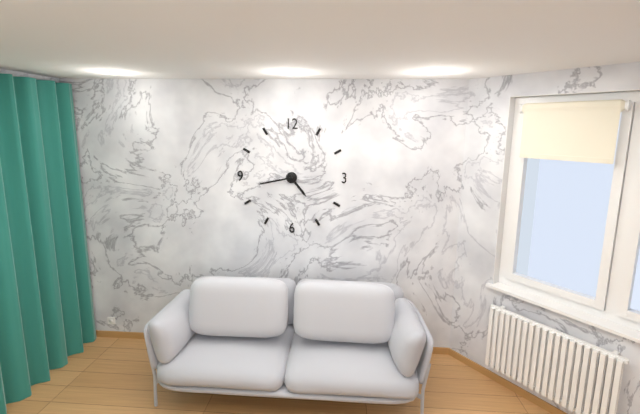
4:43
